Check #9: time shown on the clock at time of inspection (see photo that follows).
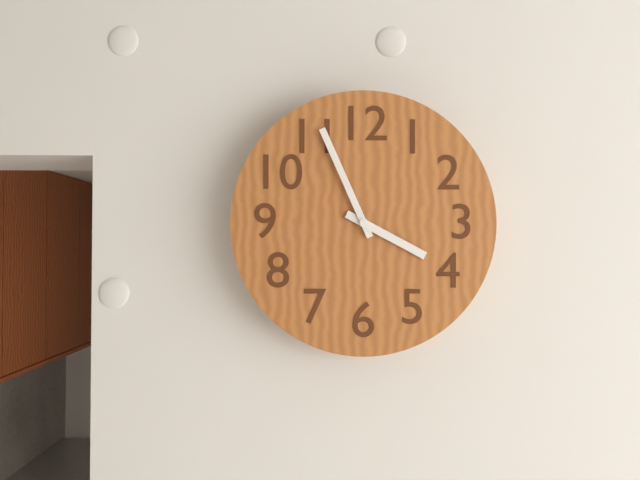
3:56
